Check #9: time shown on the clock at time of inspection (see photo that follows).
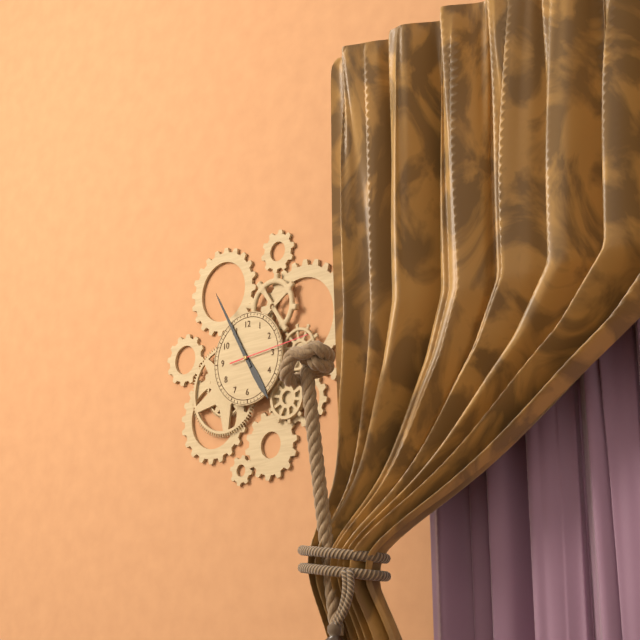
4:55:14
